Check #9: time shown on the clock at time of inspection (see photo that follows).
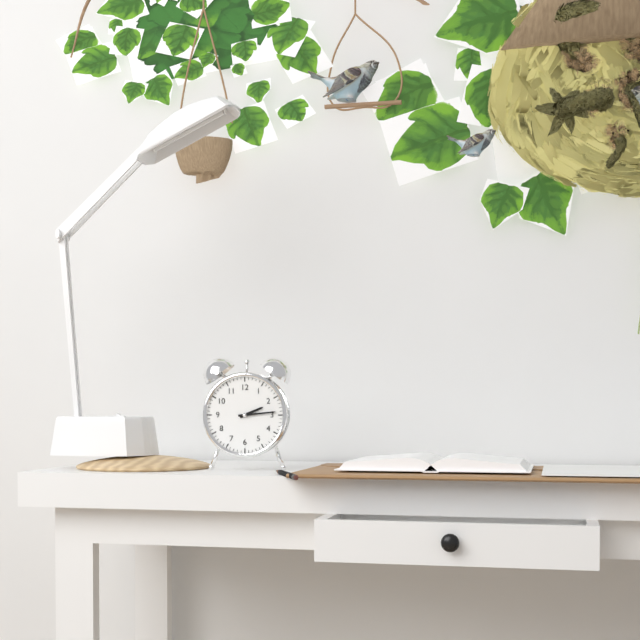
2:14
